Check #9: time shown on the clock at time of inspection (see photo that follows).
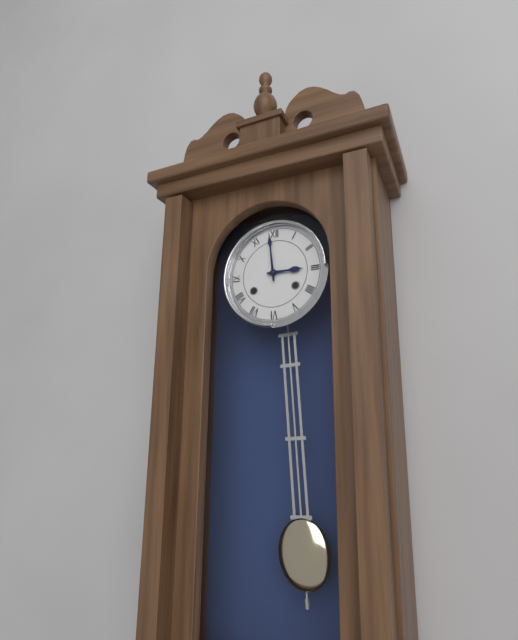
2:59
